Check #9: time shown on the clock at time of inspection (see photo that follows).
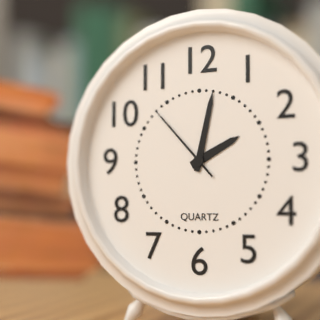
2:02:53
